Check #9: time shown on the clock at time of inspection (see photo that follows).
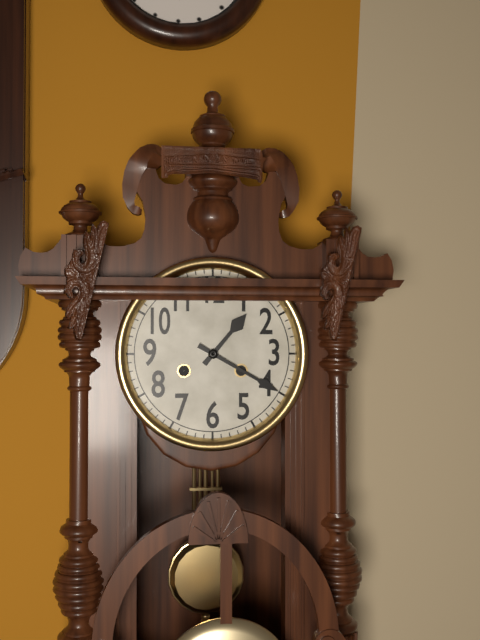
1:20
